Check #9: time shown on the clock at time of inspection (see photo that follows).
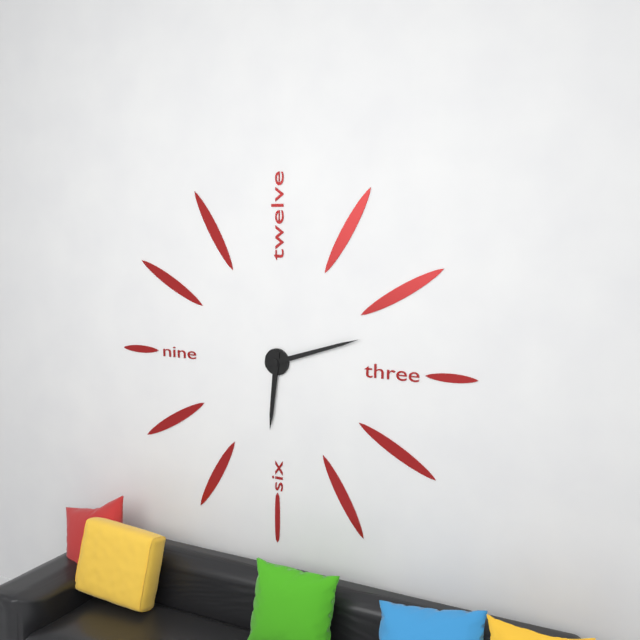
6:12
